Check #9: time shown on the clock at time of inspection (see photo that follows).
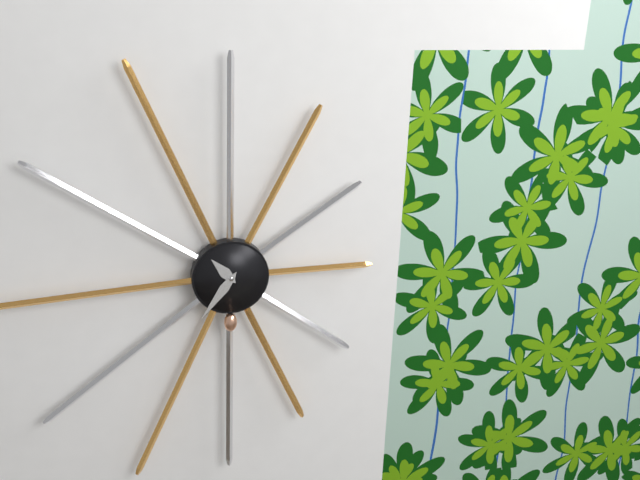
10:36
